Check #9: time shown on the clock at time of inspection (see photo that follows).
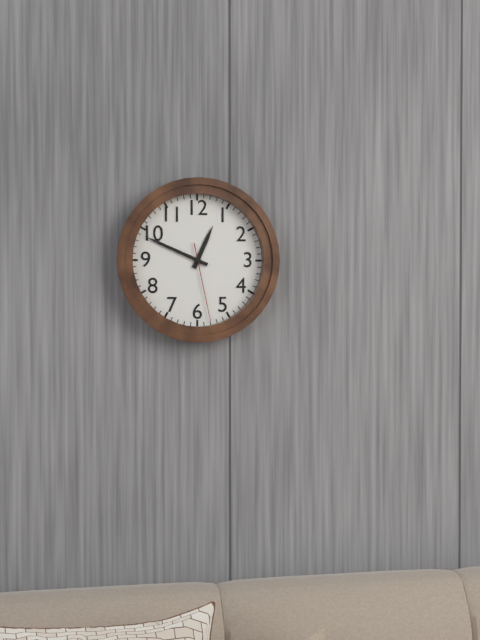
12:49:28
